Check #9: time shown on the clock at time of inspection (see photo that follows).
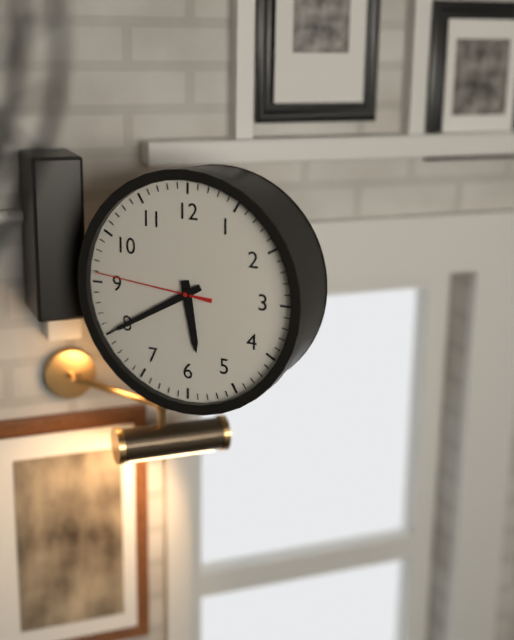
5:40:46
